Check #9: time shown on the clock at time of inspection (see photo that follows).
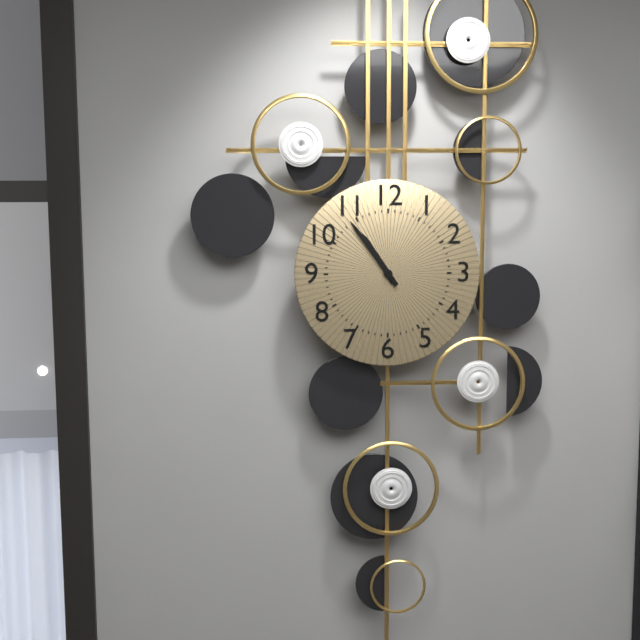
10:54
